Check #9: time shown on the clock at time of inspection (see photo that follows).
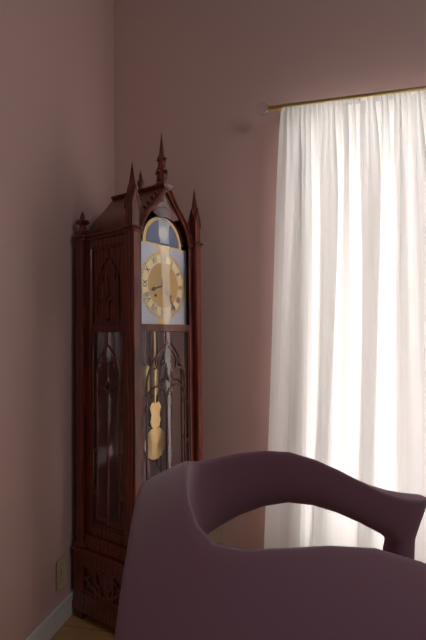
8:24
